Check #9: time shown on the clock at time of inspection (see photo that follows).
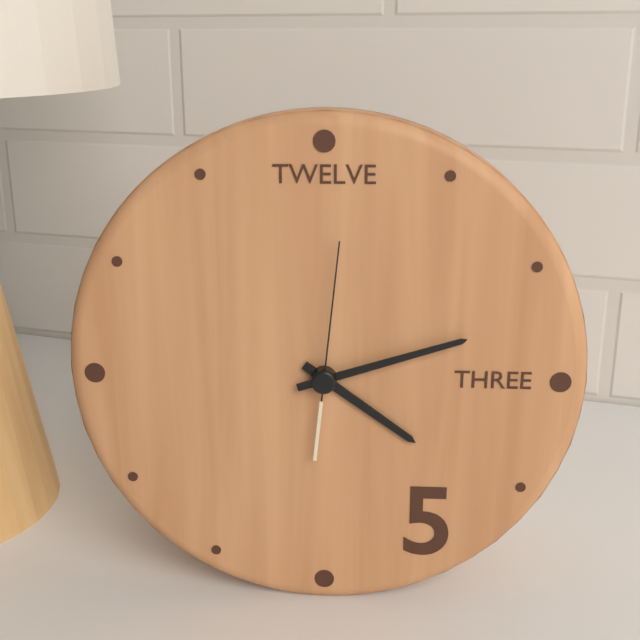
4:12:01
